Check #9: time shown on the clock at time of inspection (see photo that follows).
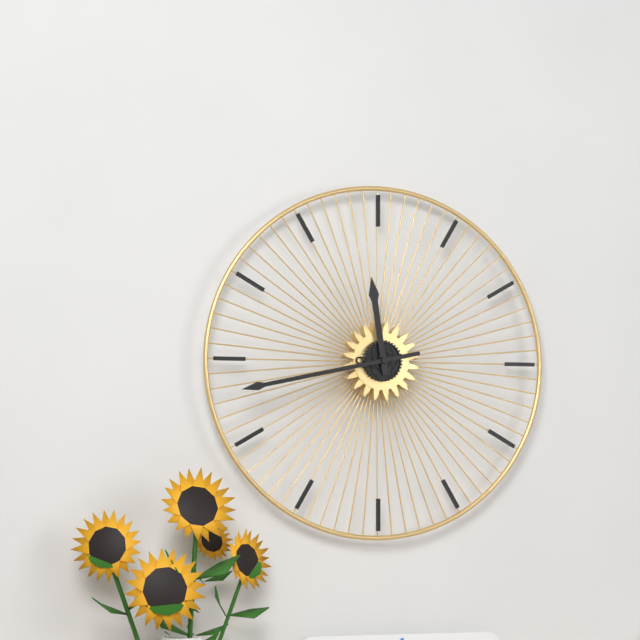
11:43
